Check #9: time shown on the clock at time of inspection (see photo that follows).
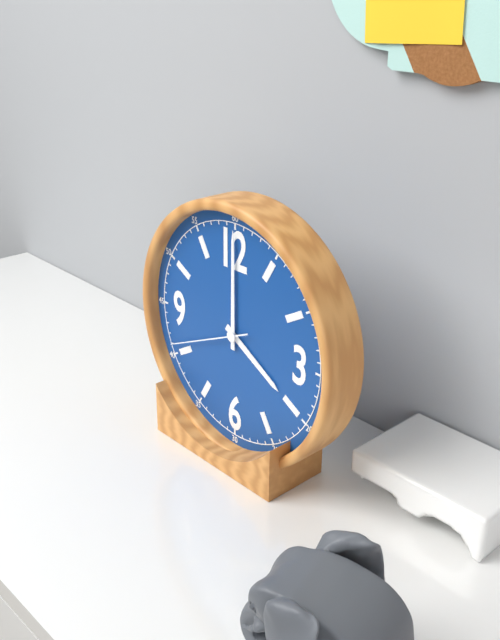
4:00:41
